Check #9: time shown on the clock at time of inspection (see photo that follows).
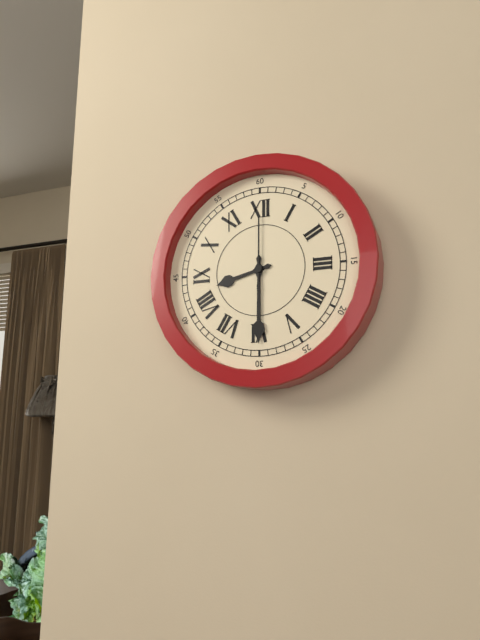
8:30:00
